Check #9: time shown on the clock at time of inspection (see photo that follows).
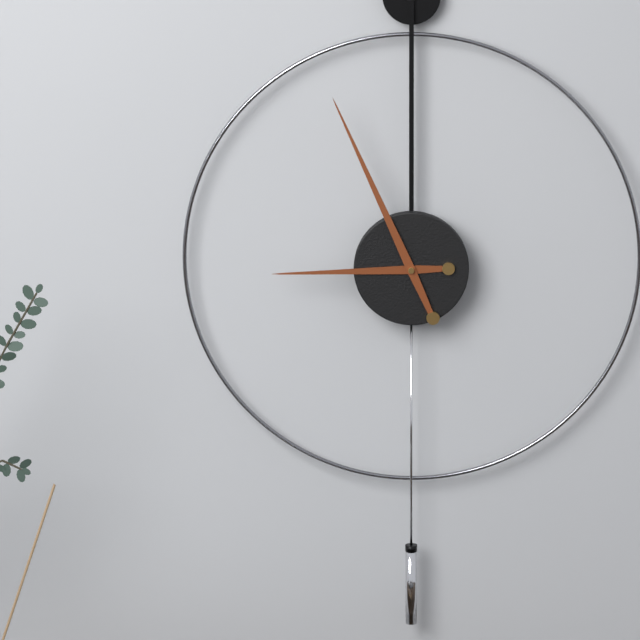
8:56
